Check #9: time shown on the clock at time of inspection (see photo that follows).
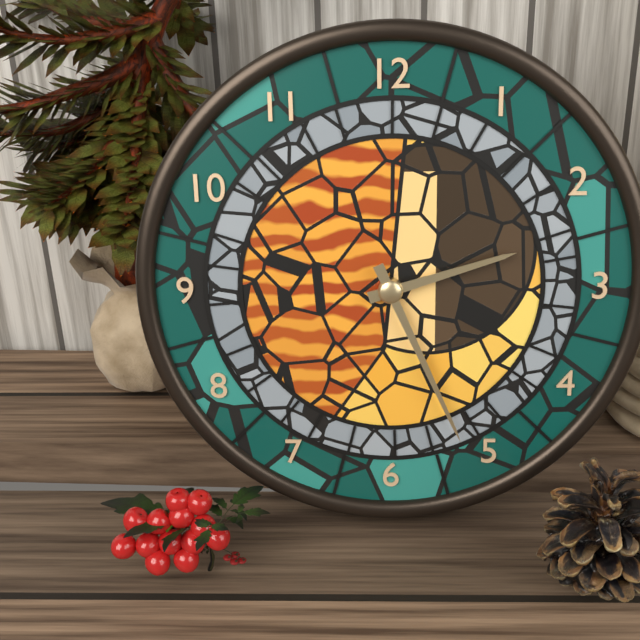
2:26
